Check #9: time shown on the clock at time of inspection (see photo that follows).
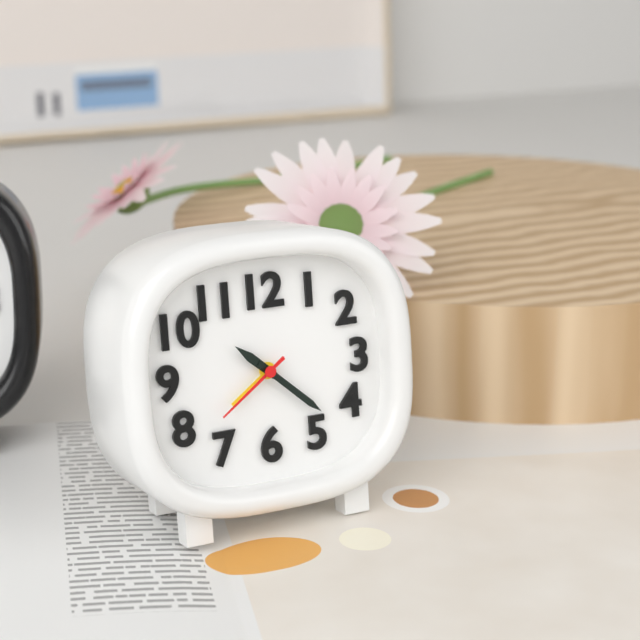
10:22:39
